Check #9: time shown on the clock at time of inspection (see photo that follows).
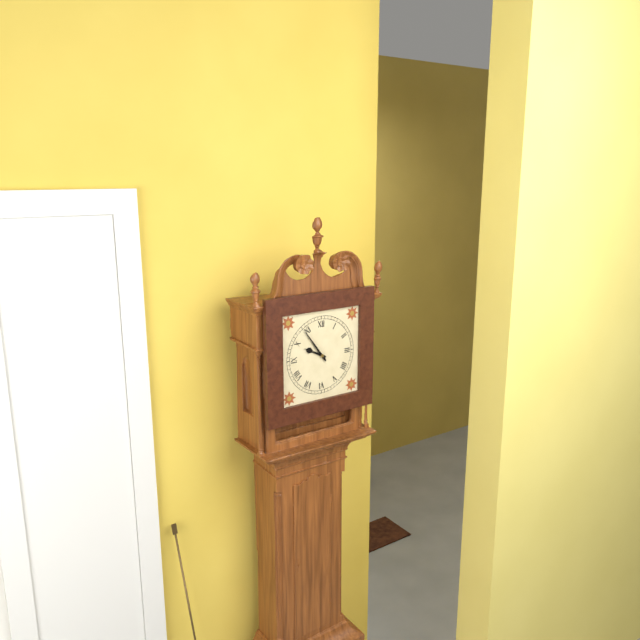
9:54
